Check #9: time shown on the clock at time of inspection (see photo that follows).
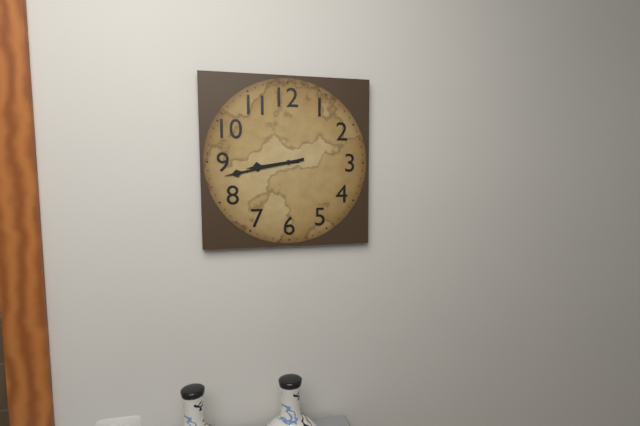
8:43
